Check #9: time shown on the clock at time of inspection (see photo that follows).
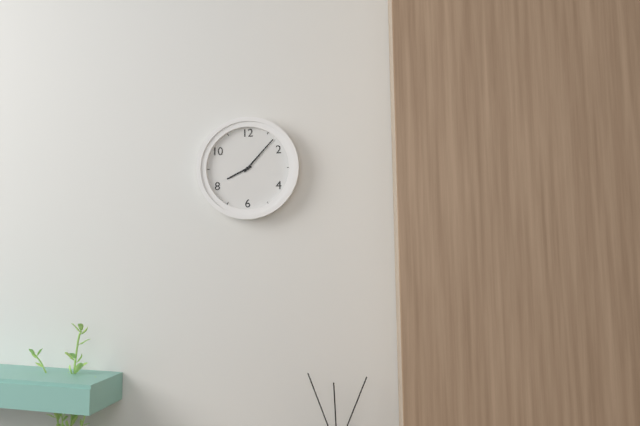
8:07
